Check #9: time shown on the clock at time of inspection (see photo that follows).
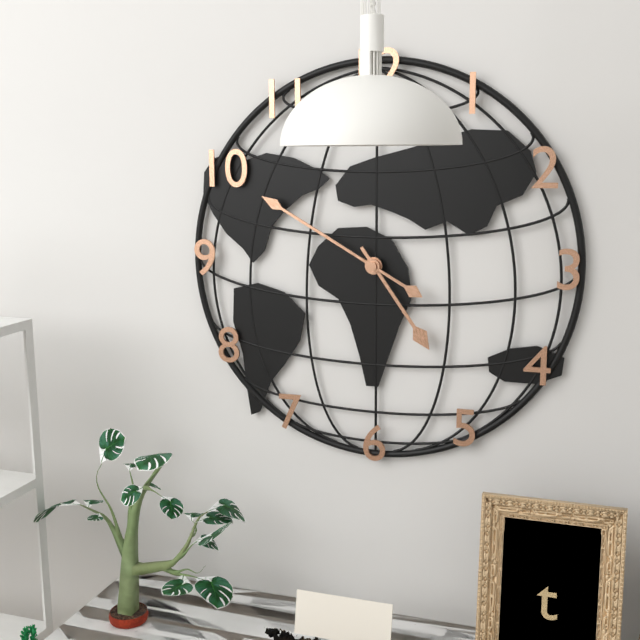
4:50
